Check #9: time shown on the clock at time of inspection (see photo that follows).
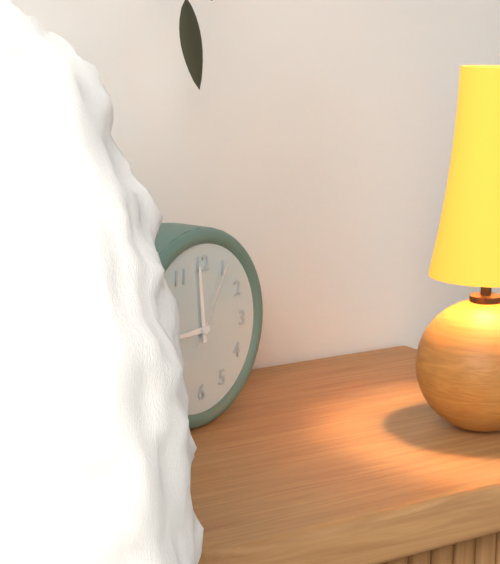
8:59:05
